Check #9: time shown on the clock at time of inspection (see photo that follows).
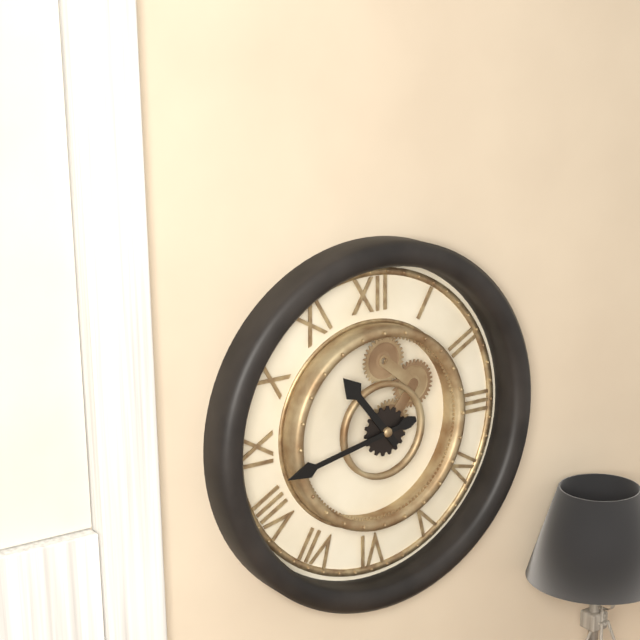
10:43
